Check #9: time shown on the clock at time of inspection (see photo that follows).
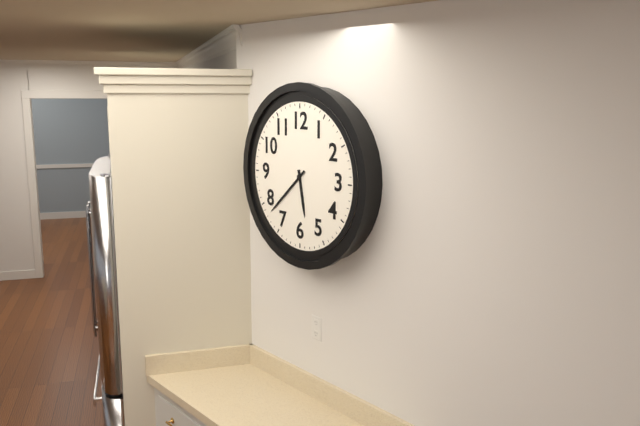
5:38
